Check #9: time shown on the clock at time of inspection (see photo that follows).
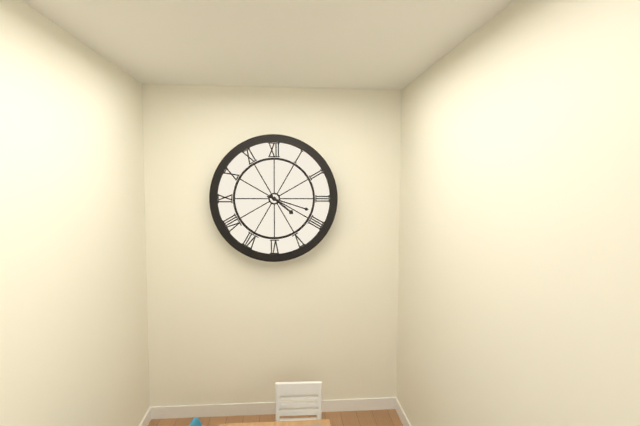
4:18
